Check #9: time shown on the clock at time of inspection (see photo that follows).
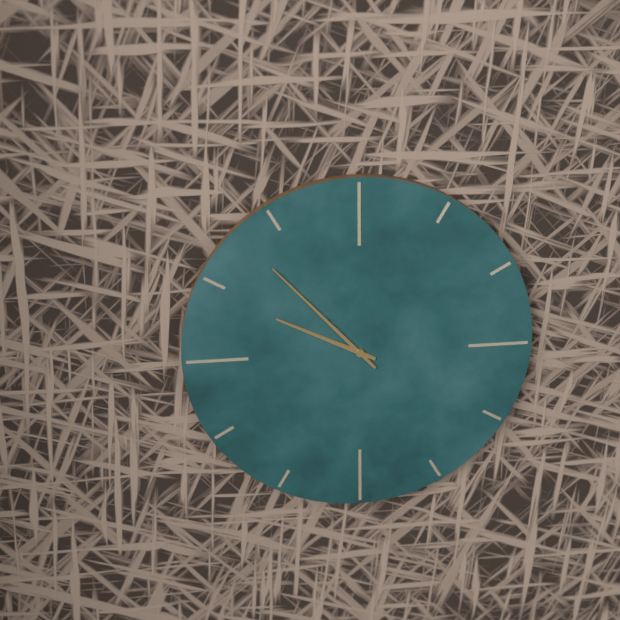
9:53
